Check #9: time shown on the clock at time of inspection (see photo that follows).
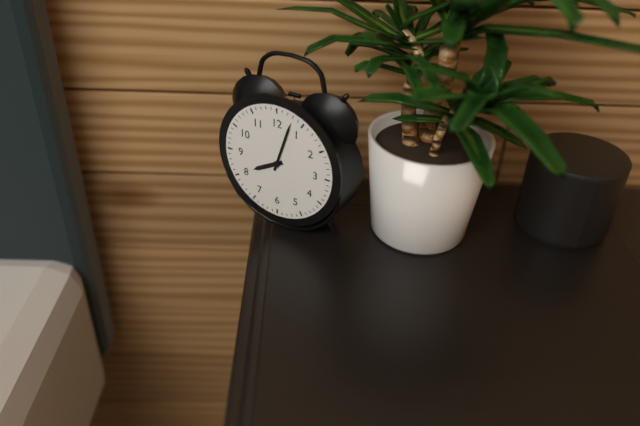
8:03
